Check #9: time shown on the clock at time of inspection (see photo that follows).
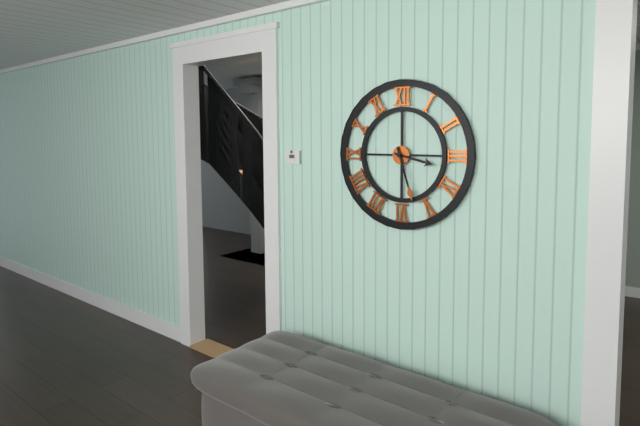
3:27
